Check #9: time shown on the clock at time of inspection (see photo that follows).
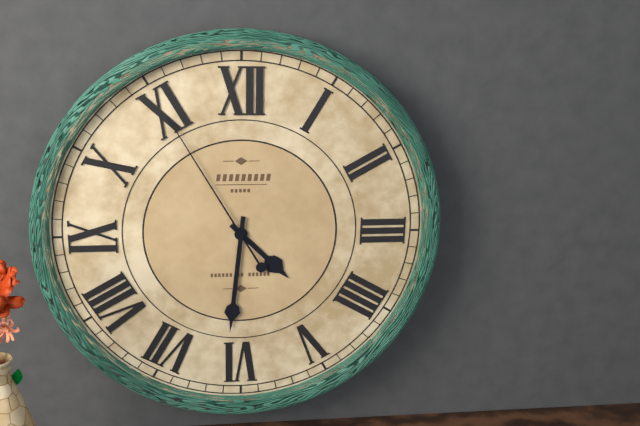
4:31:55
